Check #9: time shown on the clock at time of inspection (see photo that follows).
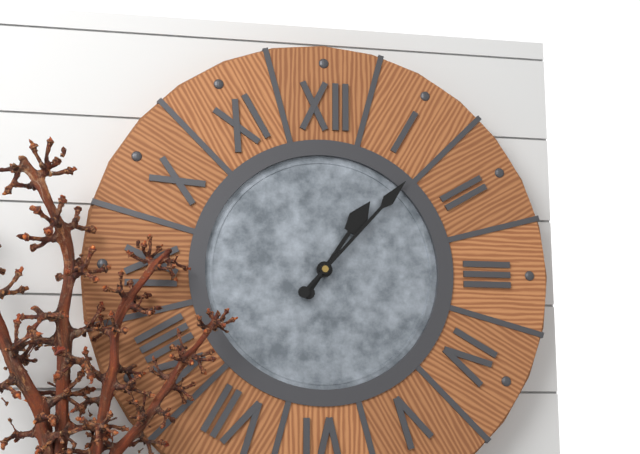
1:07
